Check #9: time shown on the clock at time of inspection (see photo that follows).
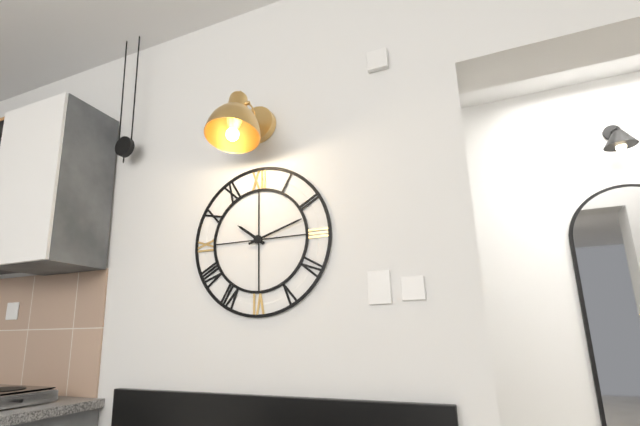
10:12
